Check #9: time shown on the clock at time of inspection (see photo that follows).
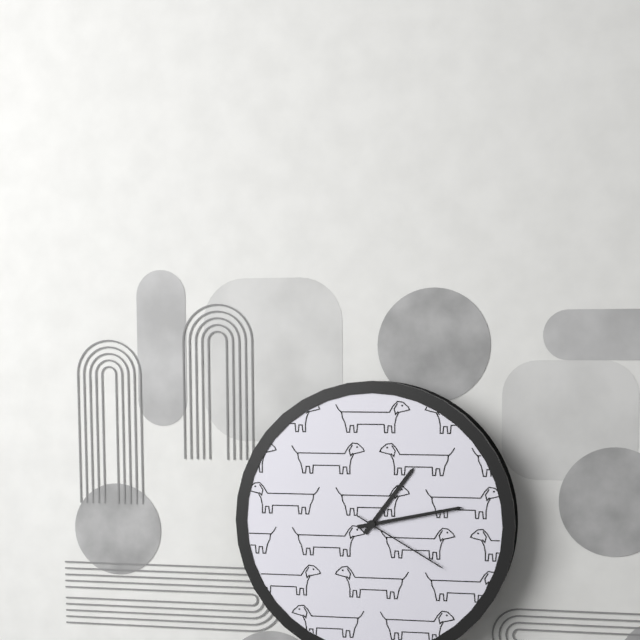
1:13:20
